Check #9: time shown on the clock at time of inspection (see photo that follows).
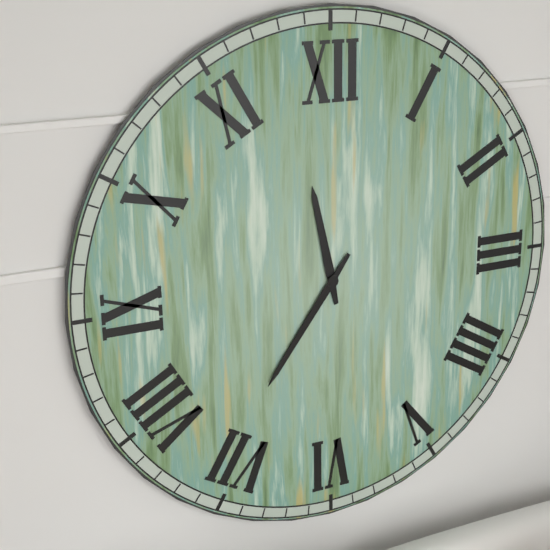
11:36
